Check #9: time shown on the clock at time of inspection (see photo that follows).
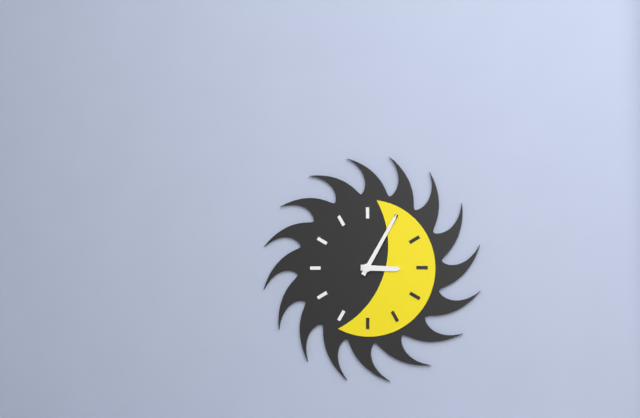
3:05
